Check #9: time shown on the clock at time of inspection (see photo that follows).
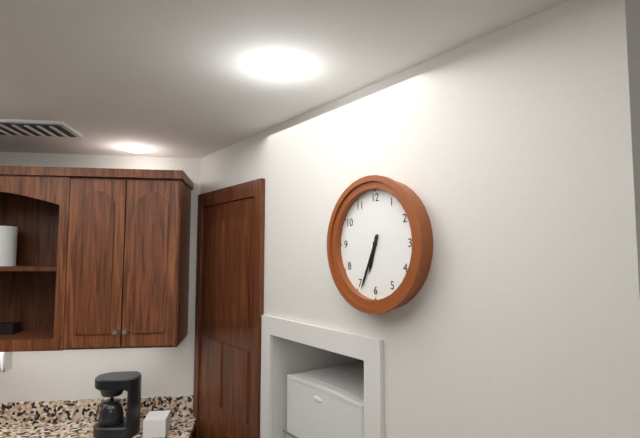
6:34
